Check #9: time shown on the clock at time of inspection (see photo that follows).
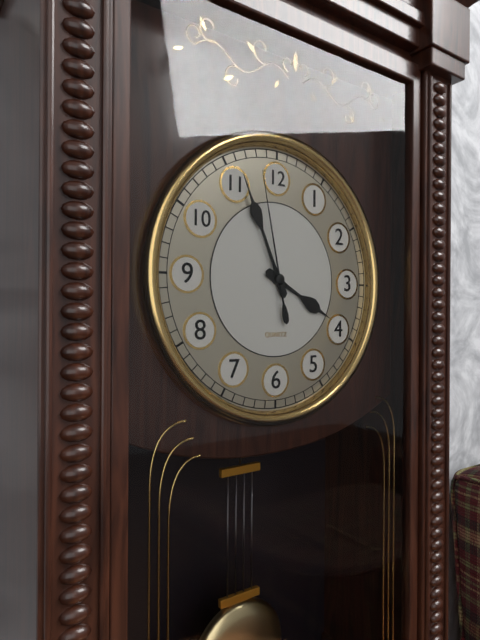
3:56:58
